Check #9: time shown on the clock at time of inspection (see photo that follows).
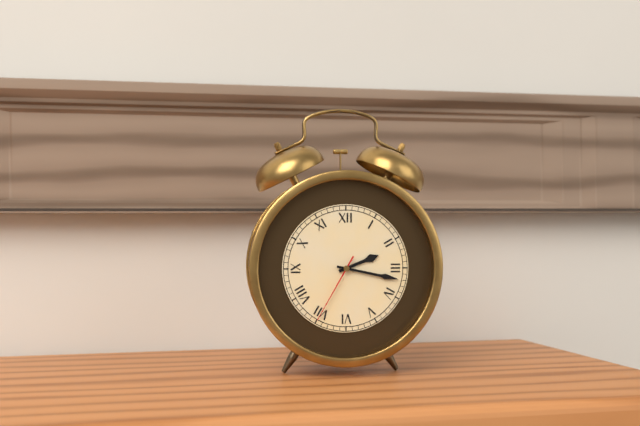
2:17:35
